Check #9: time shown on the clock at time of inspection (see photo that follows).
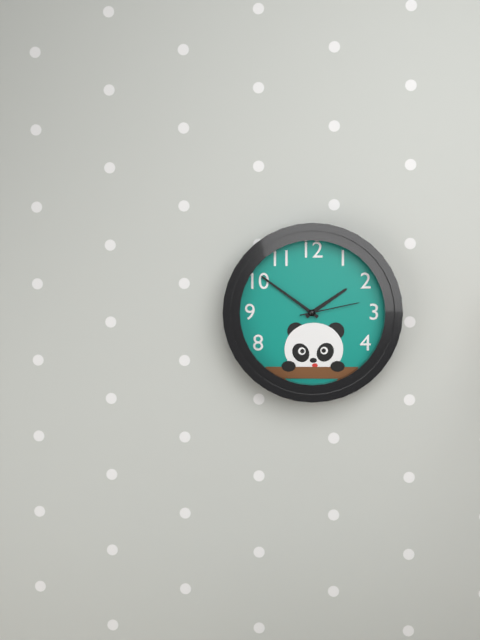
1:51:13
